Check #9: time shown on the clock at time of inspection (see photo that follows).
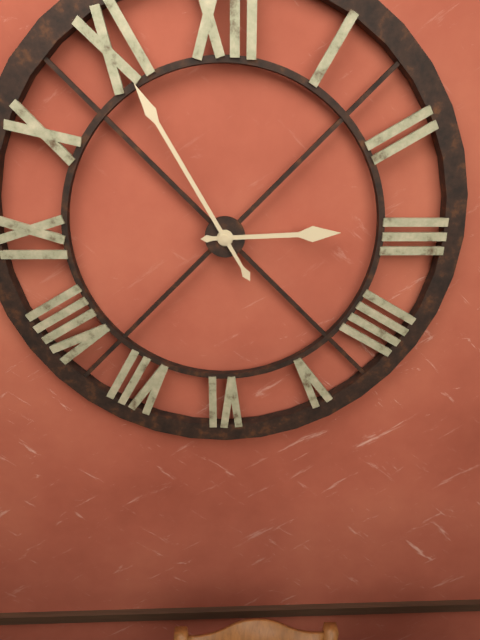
2:55
